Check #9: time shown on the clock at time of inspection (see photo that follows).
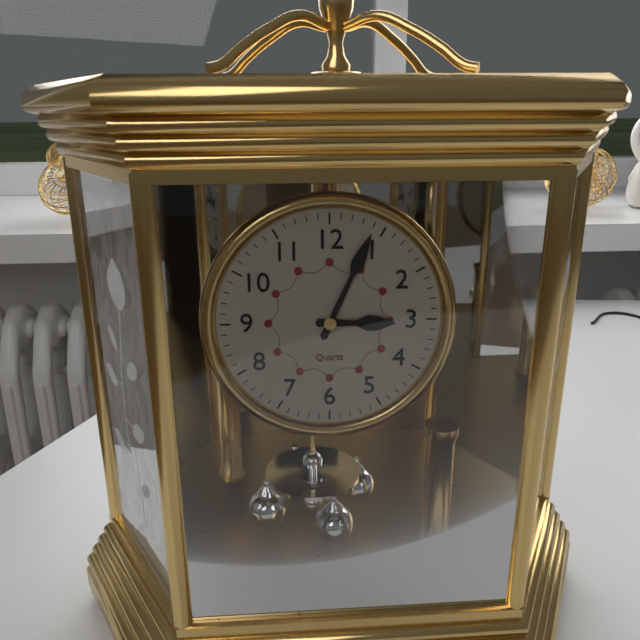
3:04
